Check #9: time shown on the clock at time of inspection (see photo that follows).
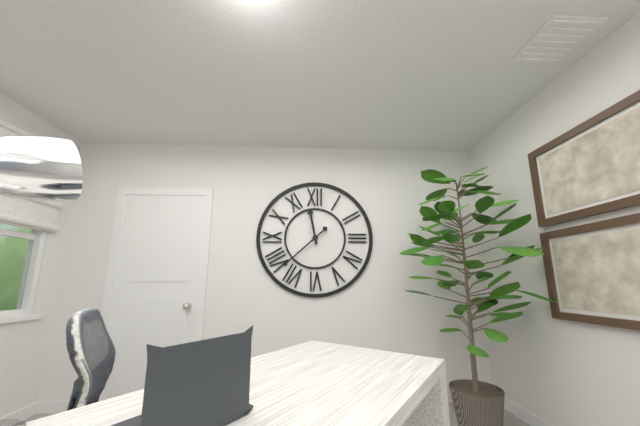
11:38
